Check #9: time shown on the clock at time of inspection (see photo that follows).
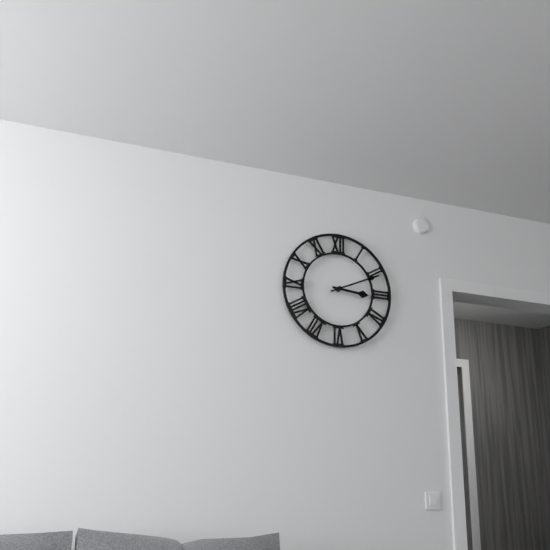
3:11
